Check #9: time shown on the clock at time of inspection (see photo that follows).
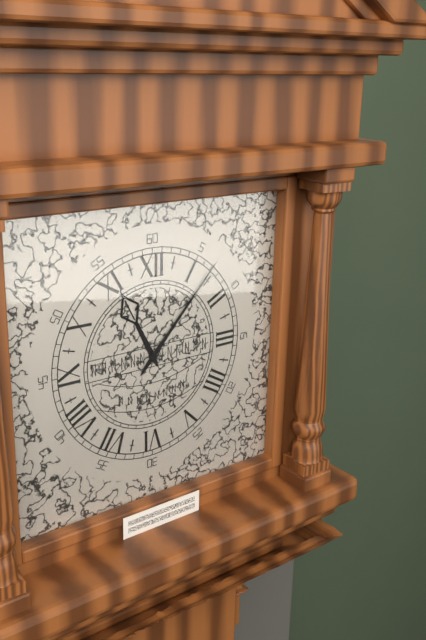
11:07
